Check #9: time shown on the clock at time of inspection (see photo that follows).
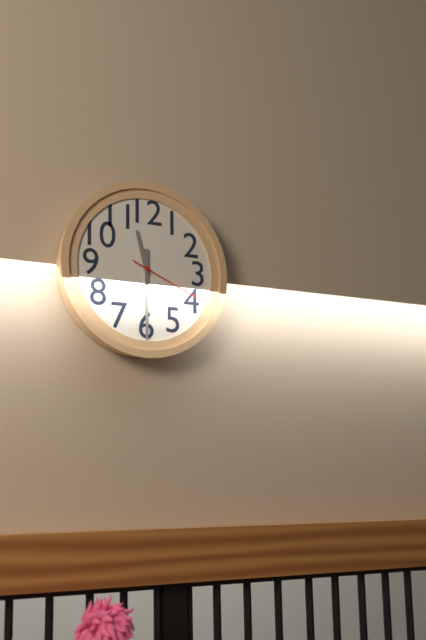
11:30:19
